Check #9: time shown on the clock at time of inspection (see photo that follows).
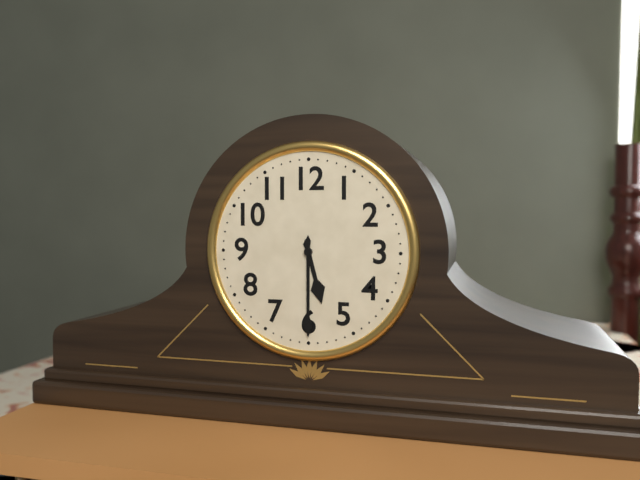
5:30
